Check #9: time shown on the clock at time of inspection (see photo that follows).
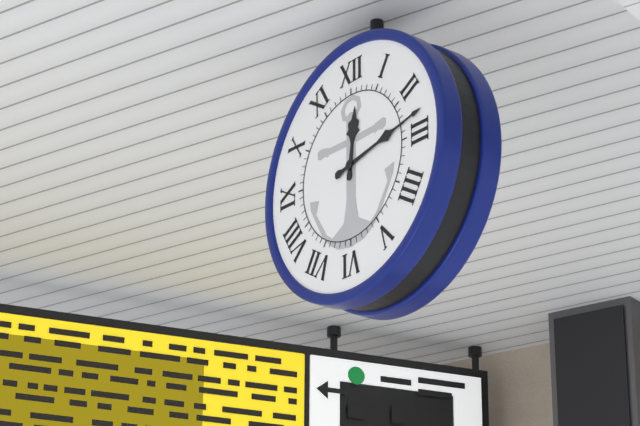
12:13
